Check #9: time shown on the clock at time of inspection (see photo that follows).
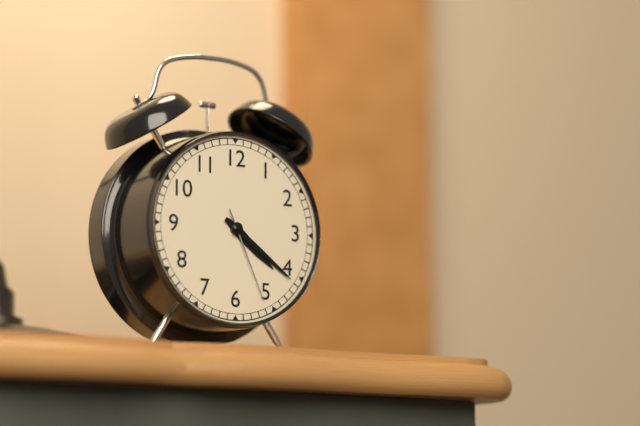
4:21:26
